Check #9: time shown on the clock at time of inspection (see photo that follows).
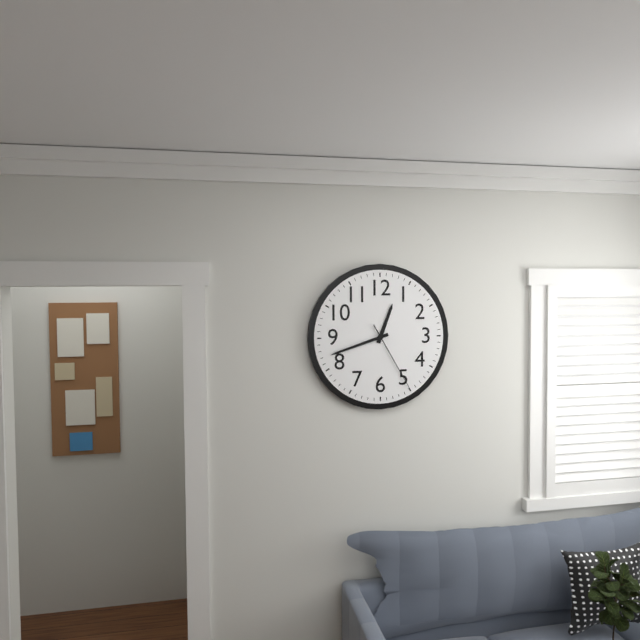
12:42:25
